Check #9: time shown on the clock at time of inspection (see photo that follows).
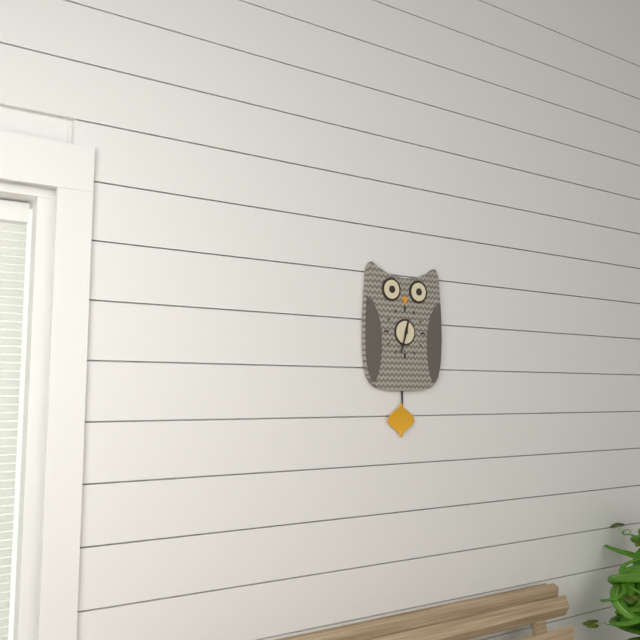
12:33
